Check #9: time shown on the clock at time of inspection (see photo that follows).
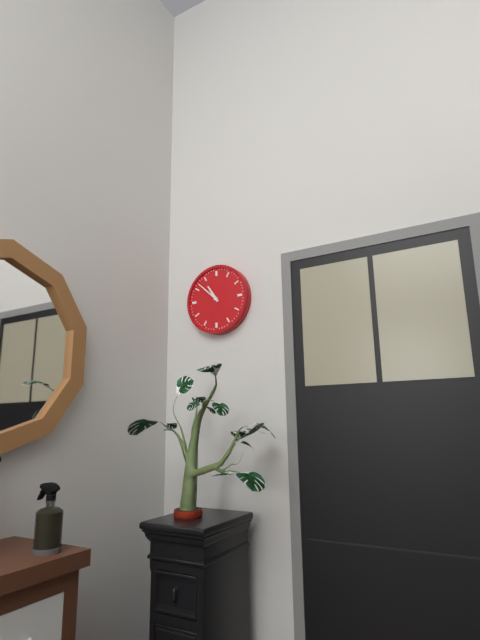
10:52
